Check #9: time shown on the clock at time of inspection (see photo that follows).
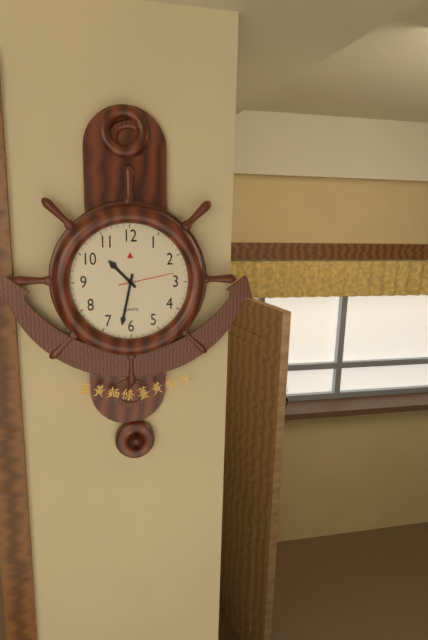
10:32:13
